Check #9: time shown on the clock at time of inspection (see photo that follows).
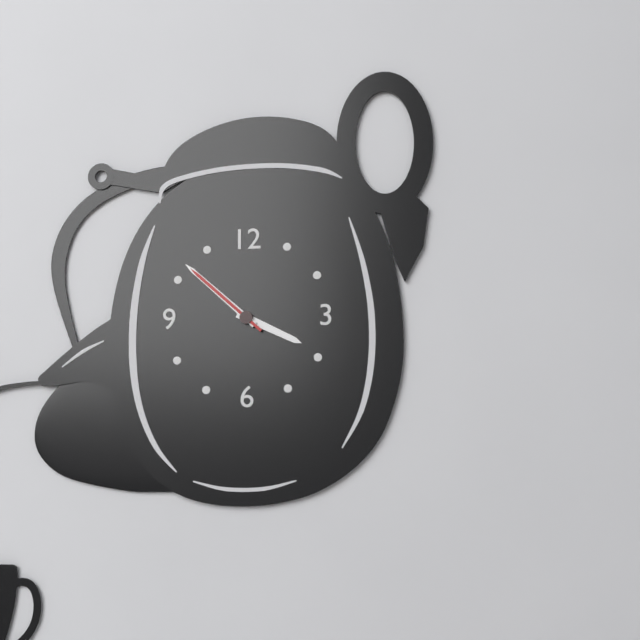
3:52:52
